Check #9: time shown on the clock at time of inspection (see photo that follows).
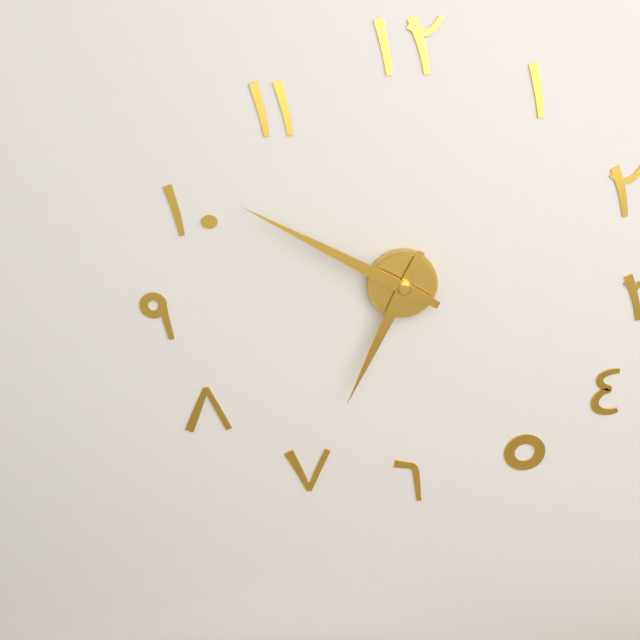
6:50
